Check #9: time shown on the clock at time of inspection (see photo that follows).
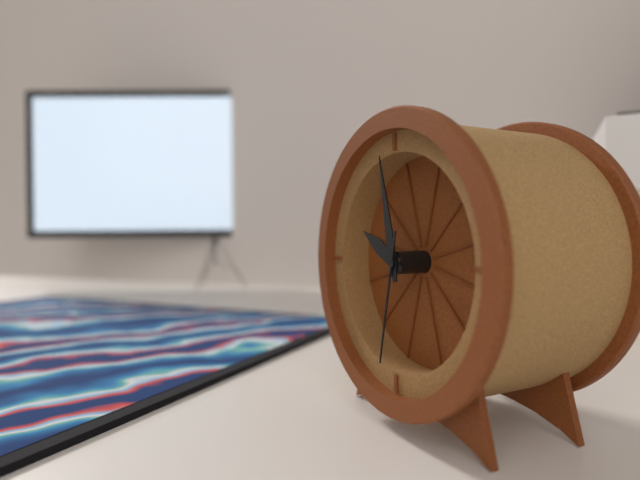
9:58:32
